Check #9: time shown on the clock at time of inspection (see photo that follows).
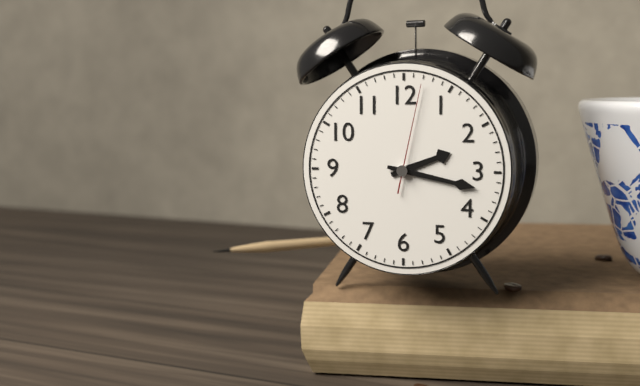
2:17:02
